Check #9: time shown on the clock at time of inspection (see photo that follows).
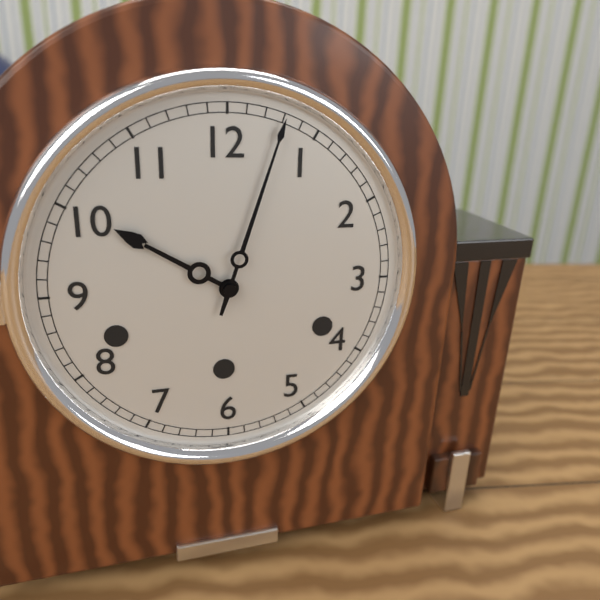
10:03
